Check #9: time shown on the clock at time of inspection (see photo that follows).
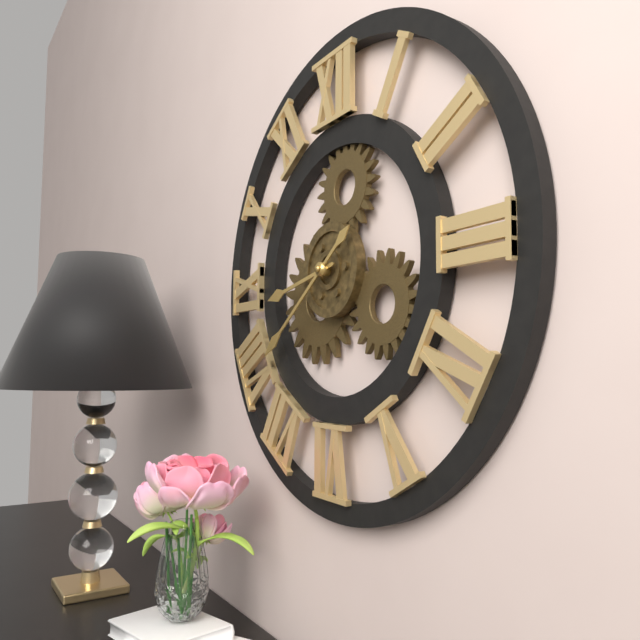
8:39
